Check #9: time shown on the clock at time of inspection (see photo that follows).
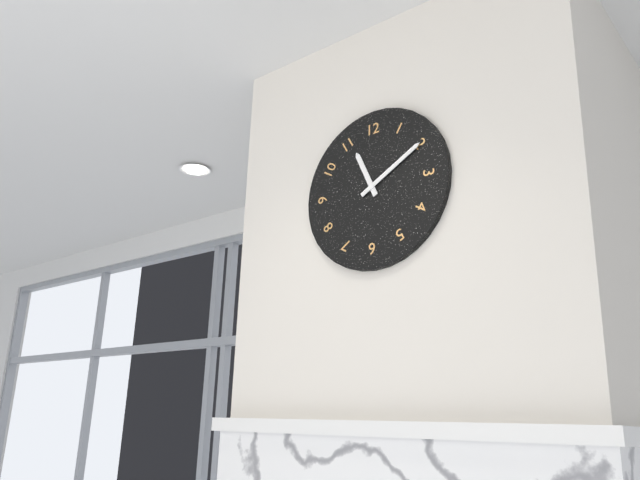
11:10
